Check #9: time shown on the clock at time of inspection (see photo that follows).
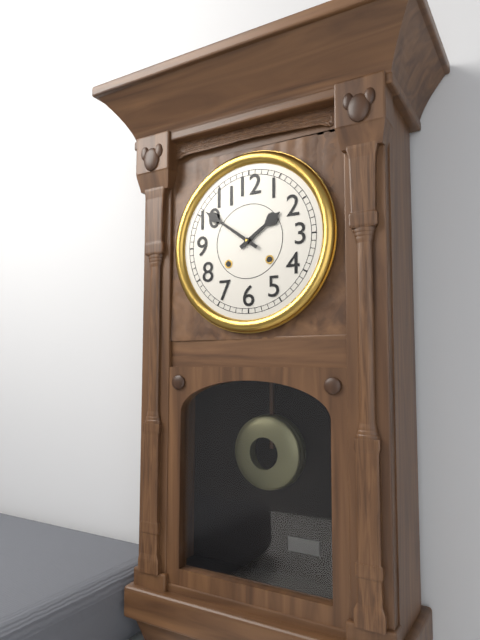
1:51
